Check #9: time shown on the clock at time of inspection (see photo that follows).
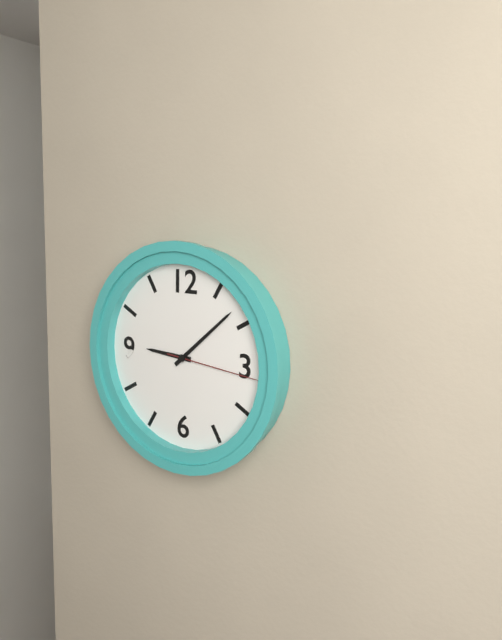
9:08:16
